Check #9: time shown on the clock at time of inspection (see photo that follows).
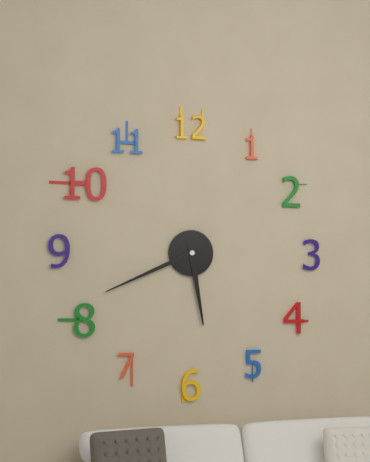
5:41
